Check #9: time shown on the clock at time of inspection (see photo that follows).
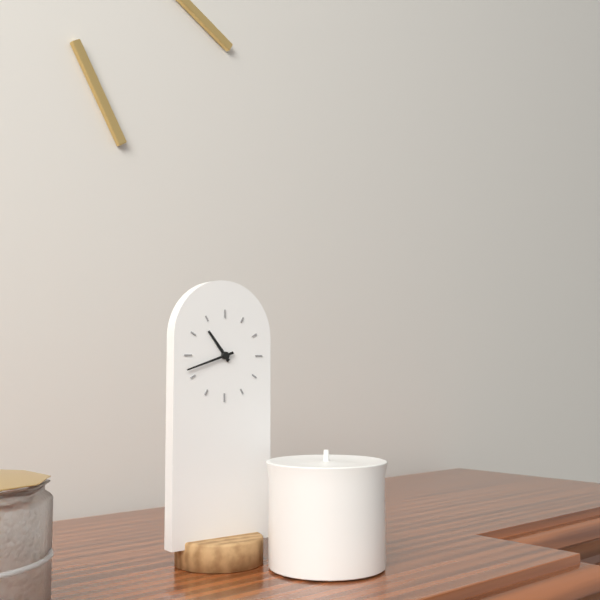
10:42
